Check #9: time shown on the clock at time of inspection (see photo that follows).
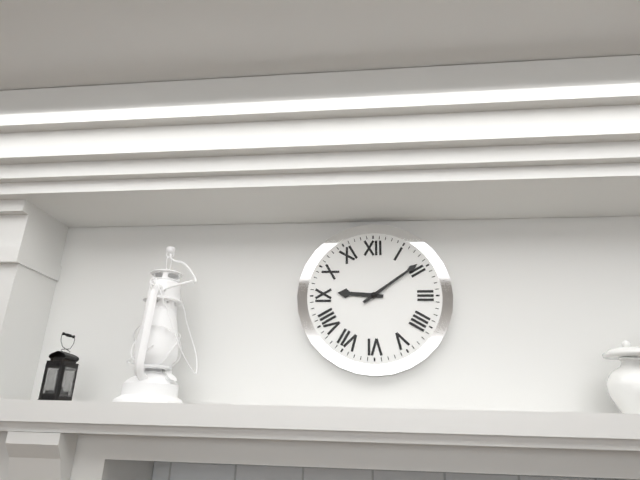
9:09
